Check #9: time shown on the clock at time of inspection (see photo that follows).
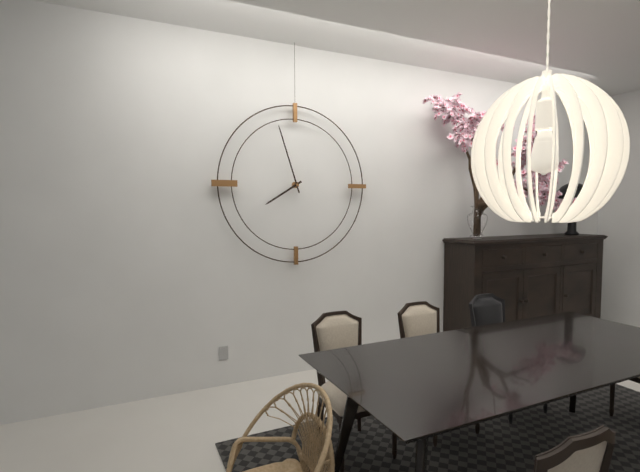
7:57
